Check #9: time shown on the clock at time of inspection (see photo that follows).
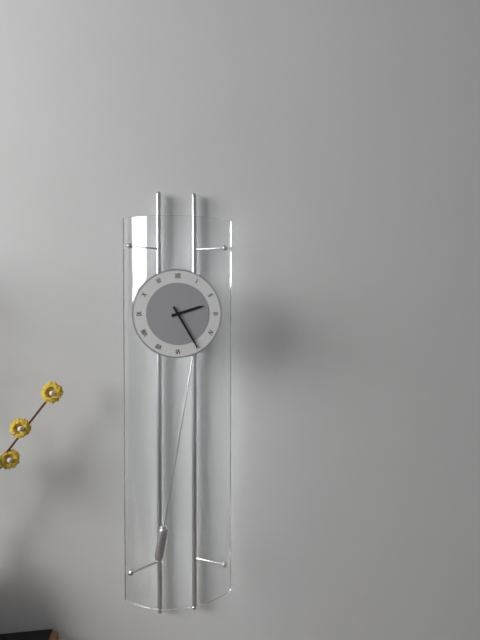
2:25
